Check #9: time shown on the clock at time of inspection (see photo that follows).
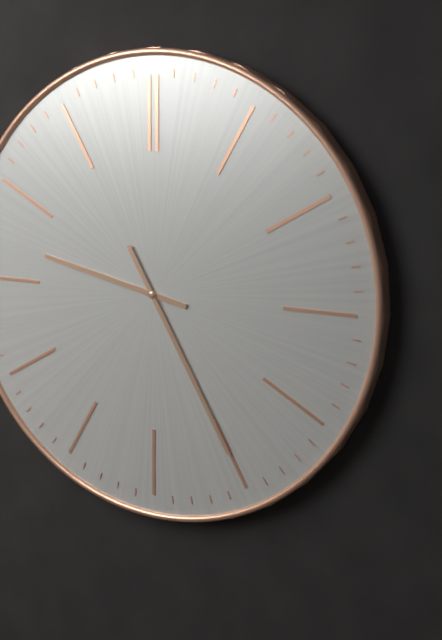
9:25
